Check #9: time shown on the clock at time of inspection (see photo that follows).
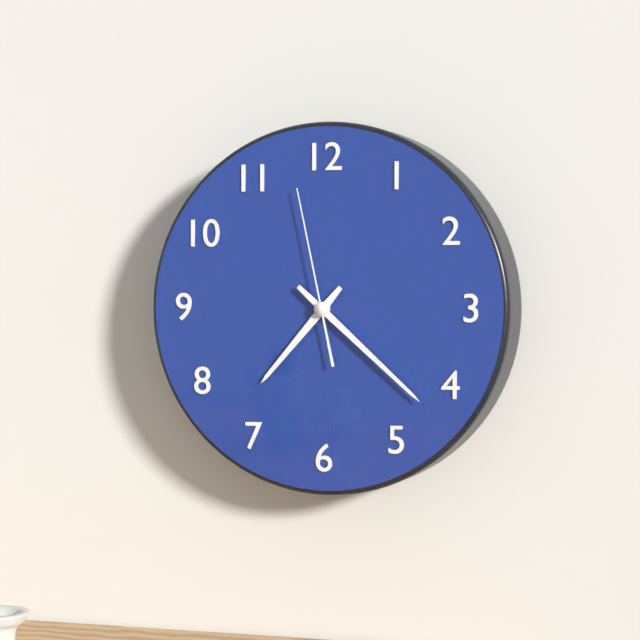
7:22:58
